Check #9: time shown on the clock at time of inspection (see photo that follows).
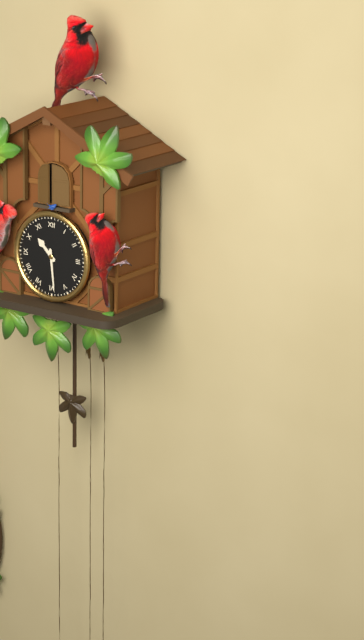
10:29
